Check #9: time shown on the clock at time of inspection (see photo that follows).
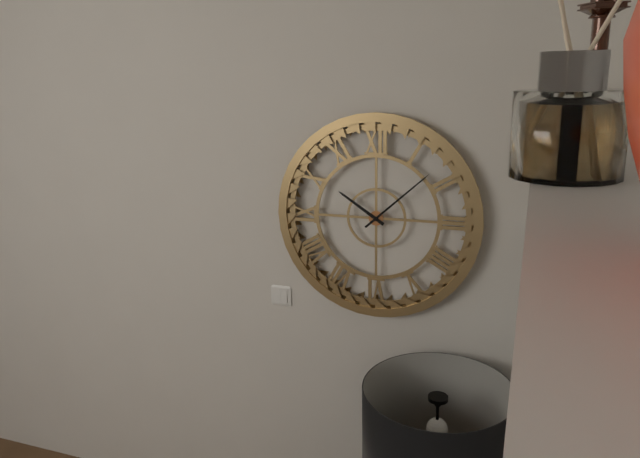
10:08
